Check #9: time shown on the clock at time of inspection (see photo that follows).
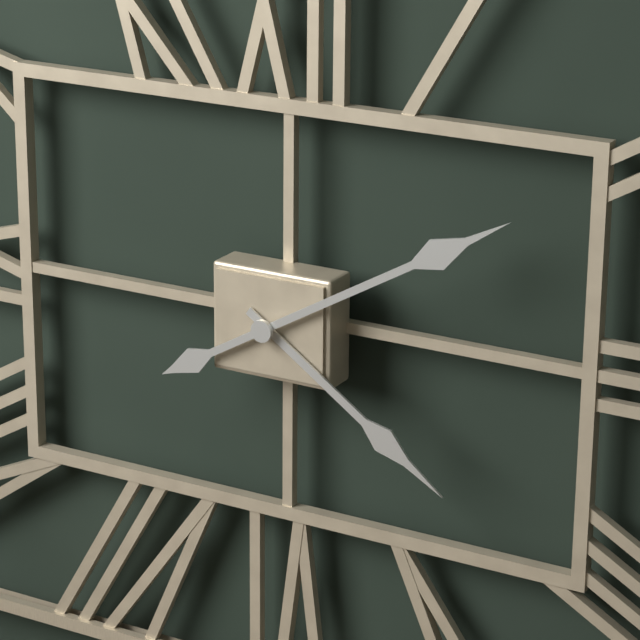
4:10
